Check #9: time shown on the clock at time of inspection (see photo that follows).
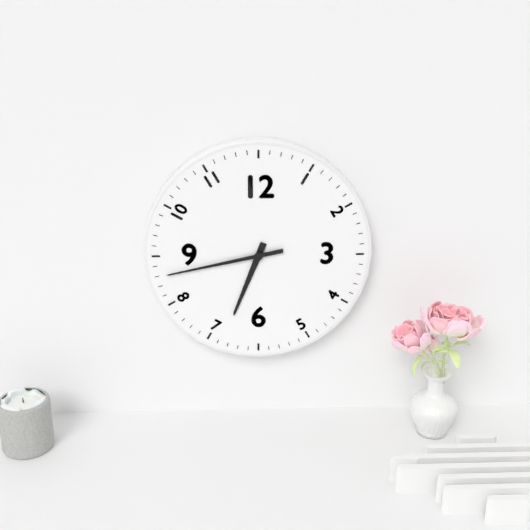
6:43
